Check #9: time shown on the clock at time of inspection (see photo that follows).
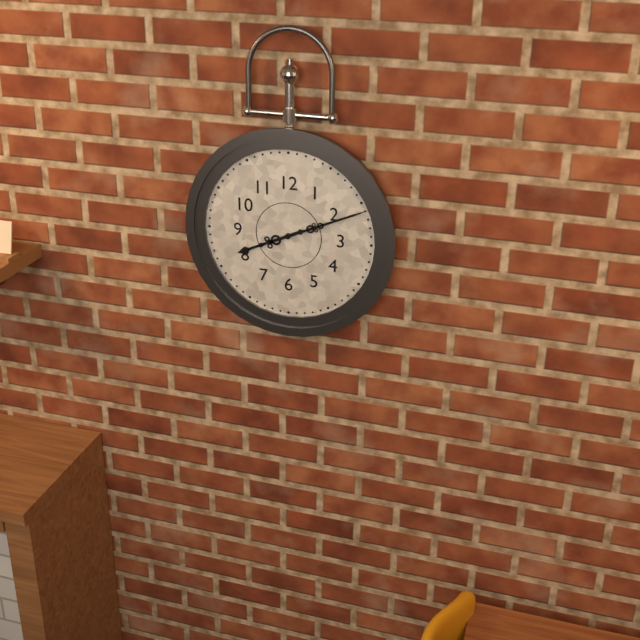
8:11
